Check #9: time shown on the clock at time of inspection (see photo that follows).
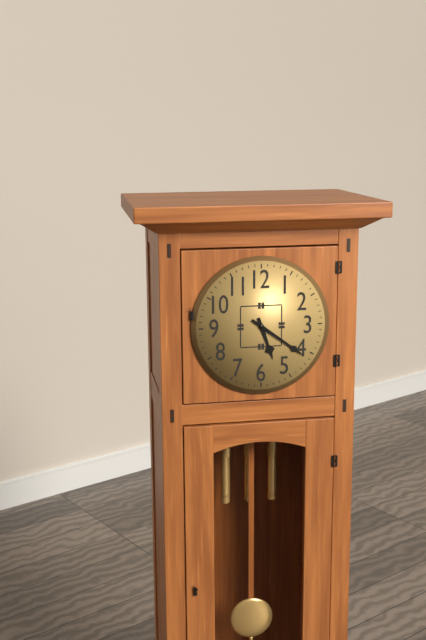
5:21
